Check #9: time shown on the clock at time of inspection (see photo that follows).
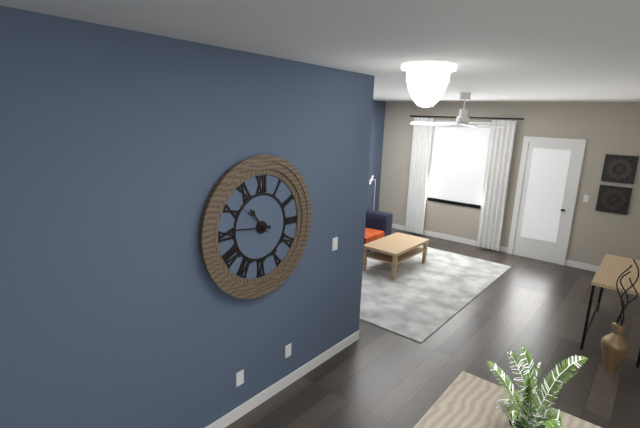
10:46
